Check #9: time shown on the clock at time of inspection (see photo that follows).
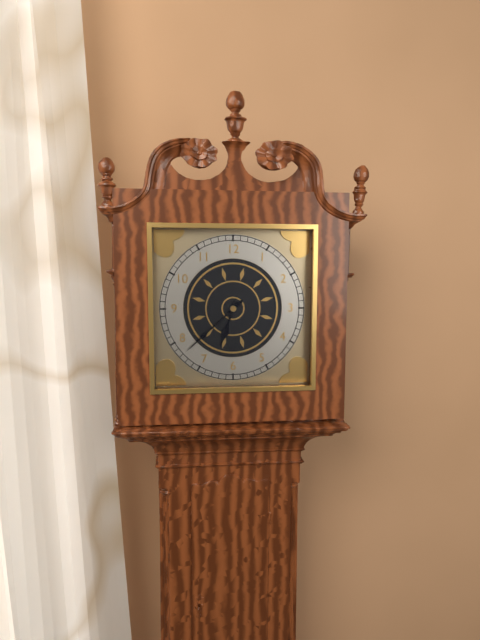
6:38
